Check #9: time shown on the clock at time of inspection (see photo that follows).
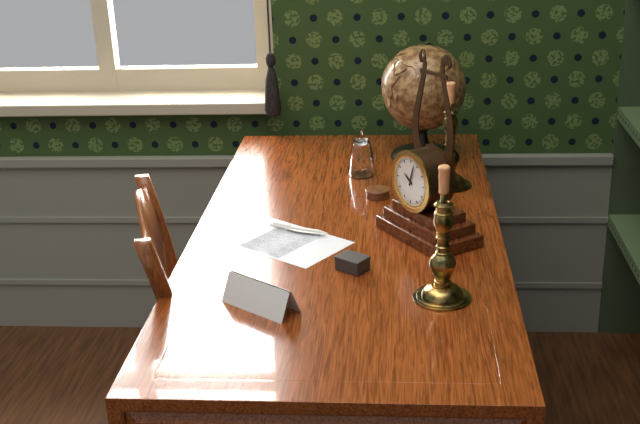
10:03
